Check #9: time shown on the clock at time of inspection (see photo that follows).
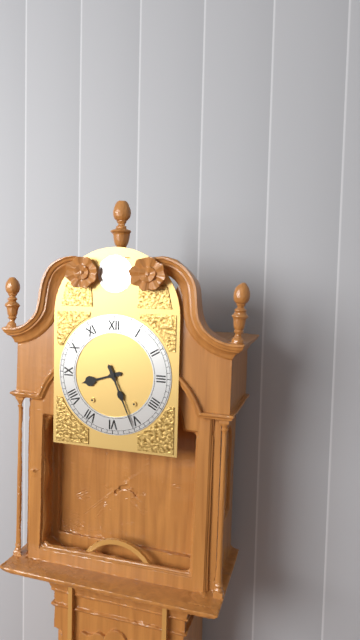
8:26
